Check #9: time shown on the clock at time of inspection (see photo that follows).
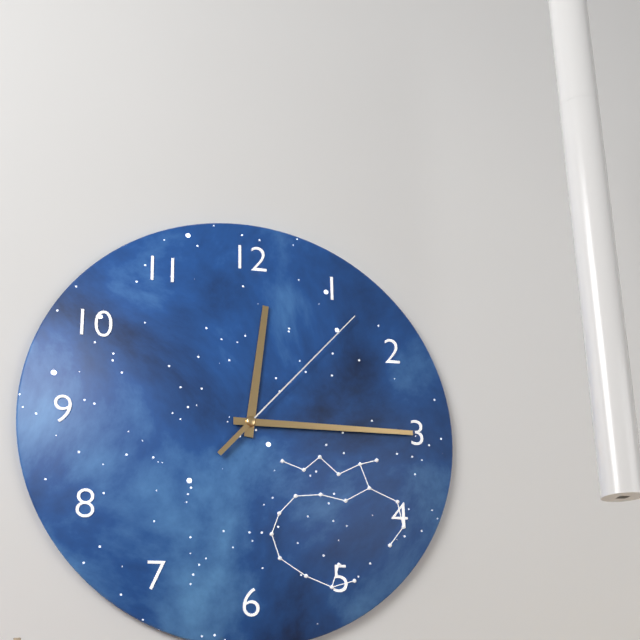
12:15:07
